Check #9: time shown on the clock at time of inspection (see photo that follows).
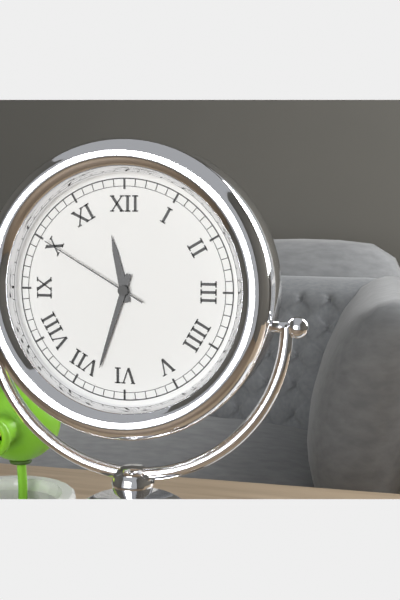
11:33:50
